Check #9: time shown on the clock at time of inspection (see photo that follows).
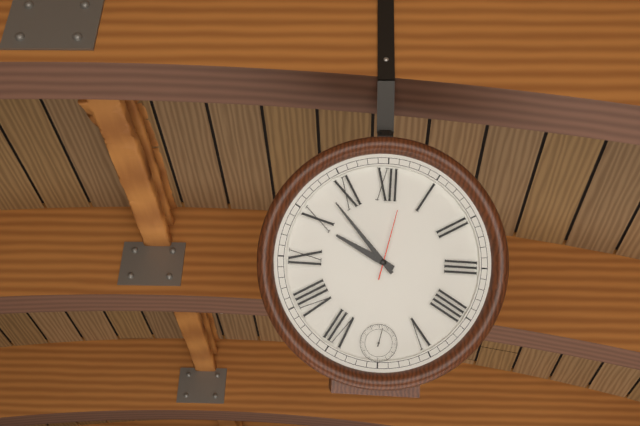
9:53:02
